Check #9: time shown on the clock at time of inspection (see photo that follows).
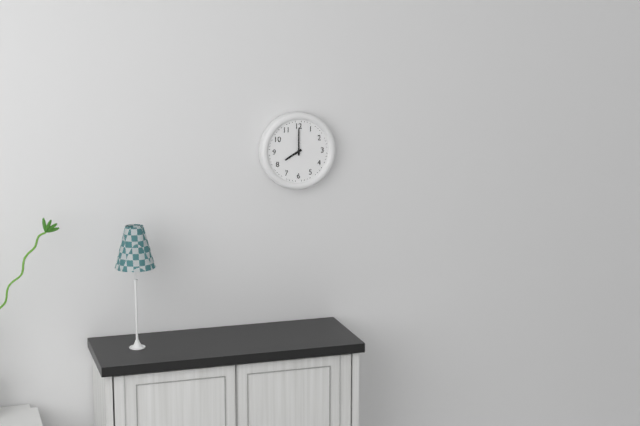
8:00
